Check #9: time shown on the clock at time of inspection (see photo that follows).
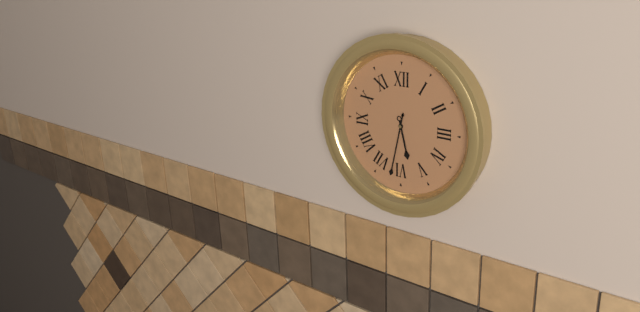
5:32
